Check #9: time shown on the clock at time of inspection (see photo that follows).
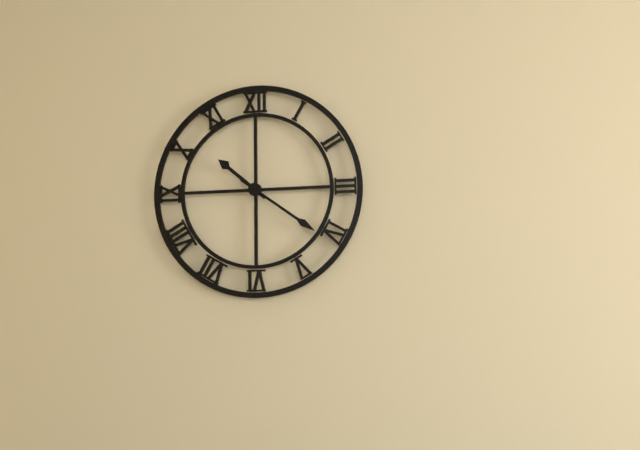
10:21
